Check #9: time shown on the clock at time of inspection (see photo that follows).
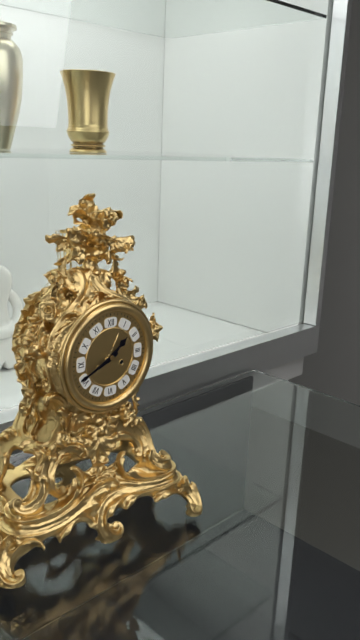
1:41
